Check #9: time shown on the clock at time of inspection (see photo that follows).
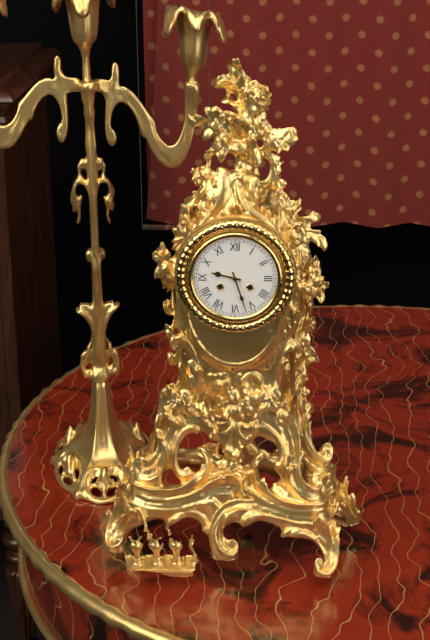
9:27
